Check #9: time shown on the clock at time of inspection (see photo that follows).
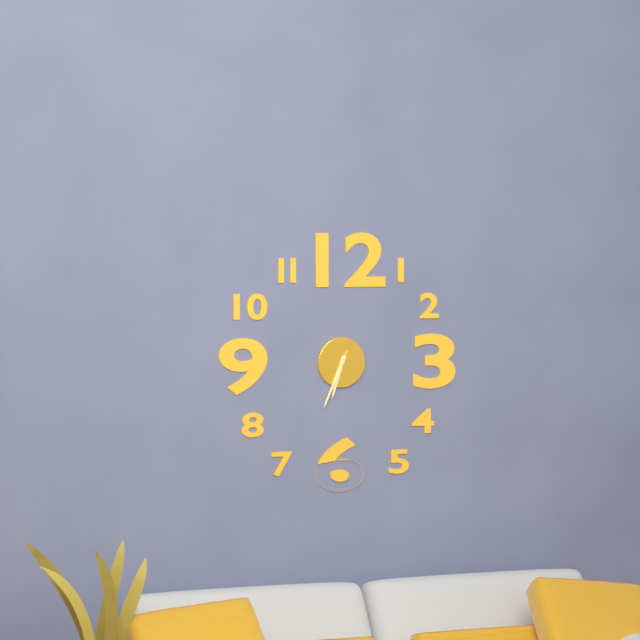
6:34:34
